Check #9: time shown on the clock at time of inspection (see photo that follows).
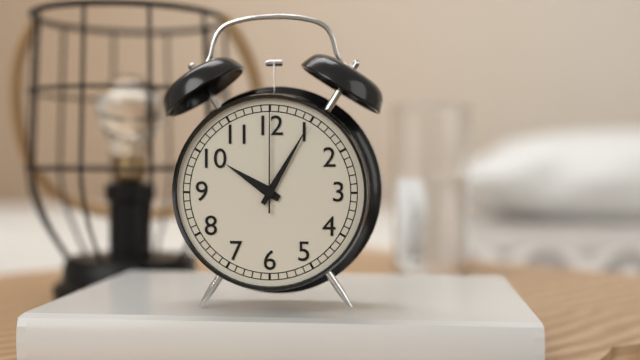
10:05:00
